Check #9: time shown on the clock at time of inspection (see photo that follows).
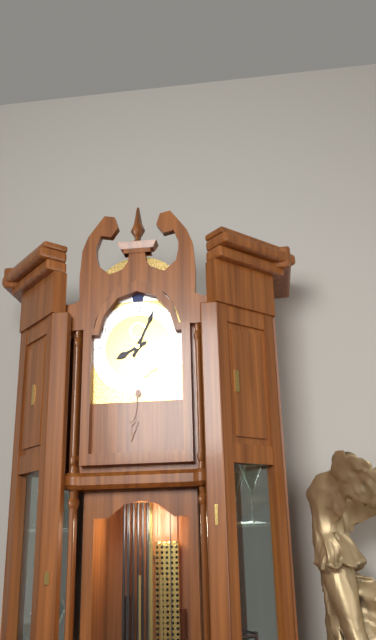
8:04
